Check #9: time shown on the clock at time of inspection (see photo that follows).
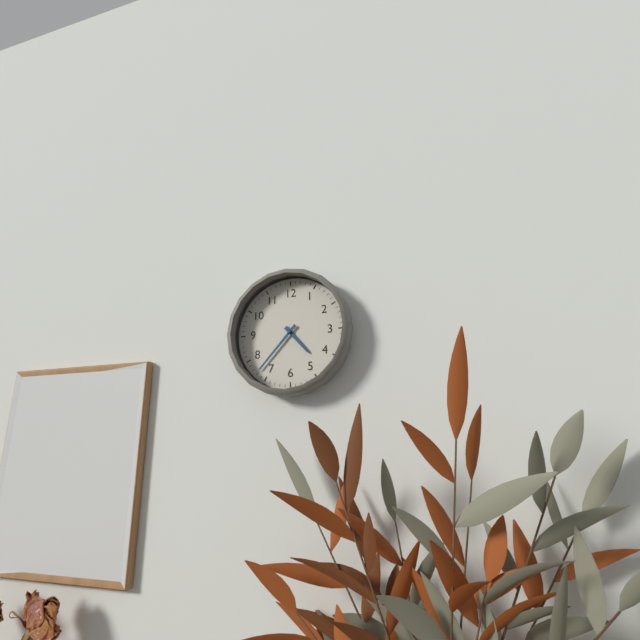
4:37
